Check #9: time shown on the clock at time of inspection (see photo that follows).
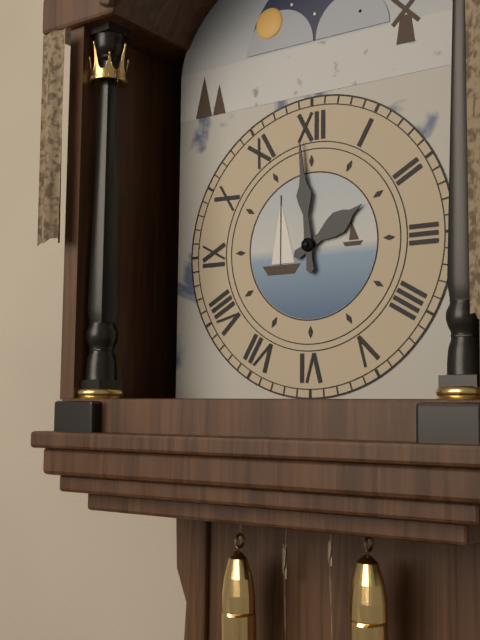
1:59
